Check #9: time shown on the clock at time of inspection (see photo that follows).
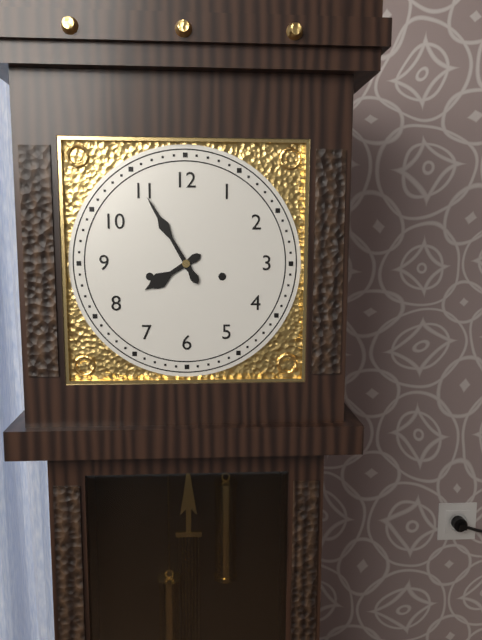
7:55
